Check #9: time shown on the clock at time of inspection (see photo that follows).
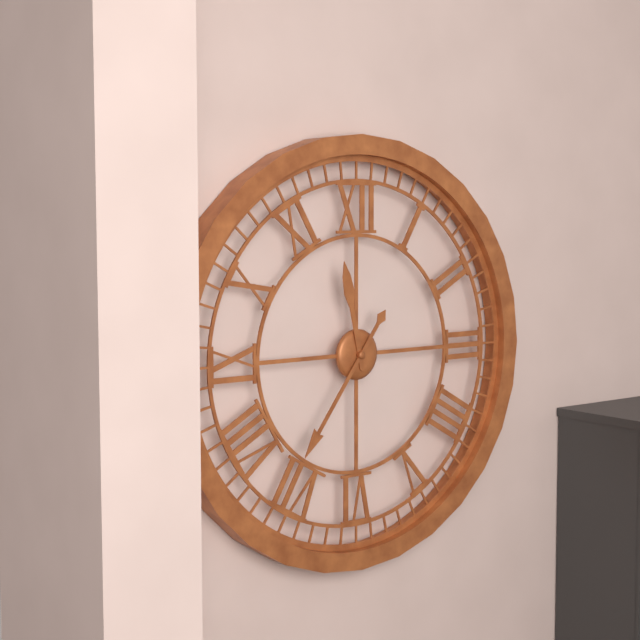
11:36
